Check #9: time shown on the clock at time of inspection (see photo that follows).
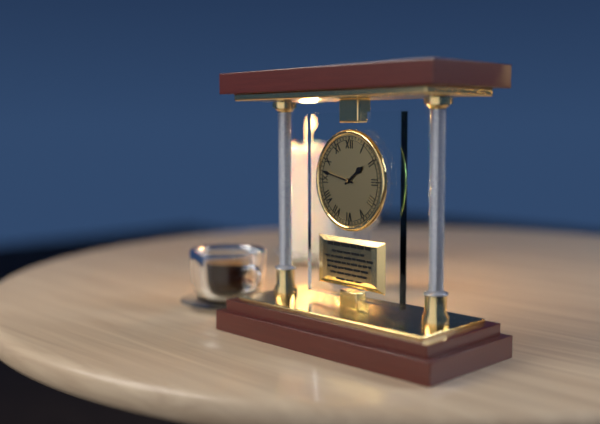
1:47
